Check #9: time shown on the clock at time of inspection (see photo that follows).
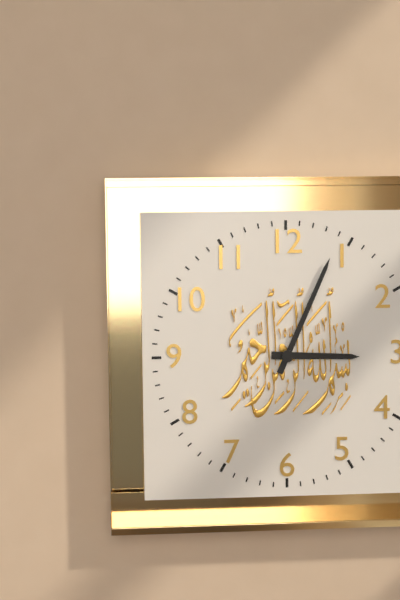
3:04
